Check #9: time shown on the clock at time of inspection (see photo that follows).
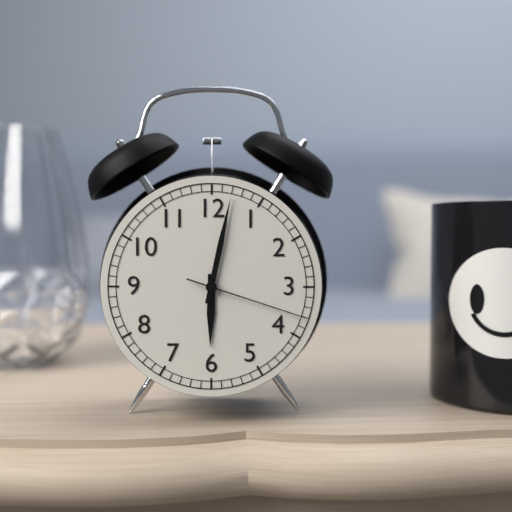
6:02:18
